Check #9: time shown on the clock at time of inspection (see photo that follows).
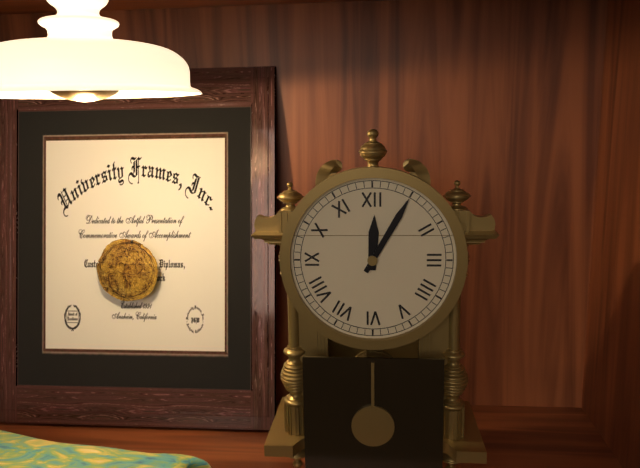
12:05
